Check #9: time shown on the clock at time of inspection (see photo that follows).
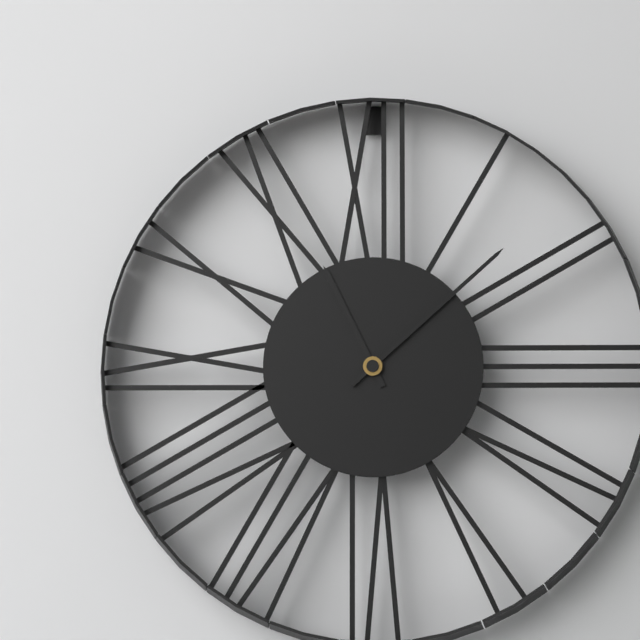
11:08
